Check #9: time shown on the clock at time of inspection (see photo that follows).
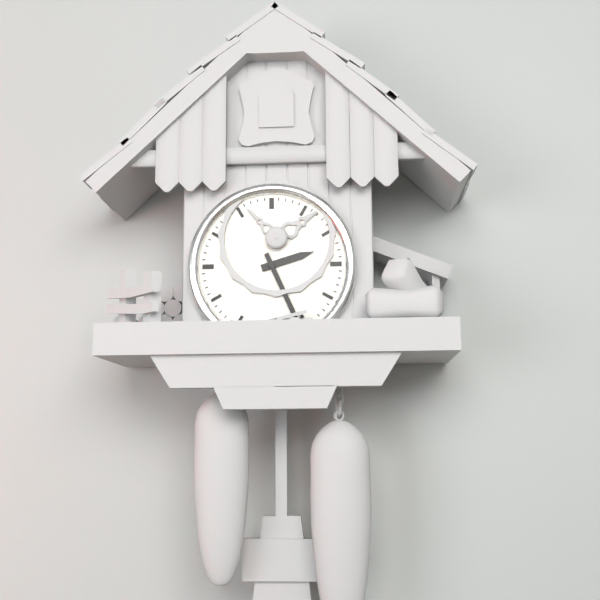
2:26
